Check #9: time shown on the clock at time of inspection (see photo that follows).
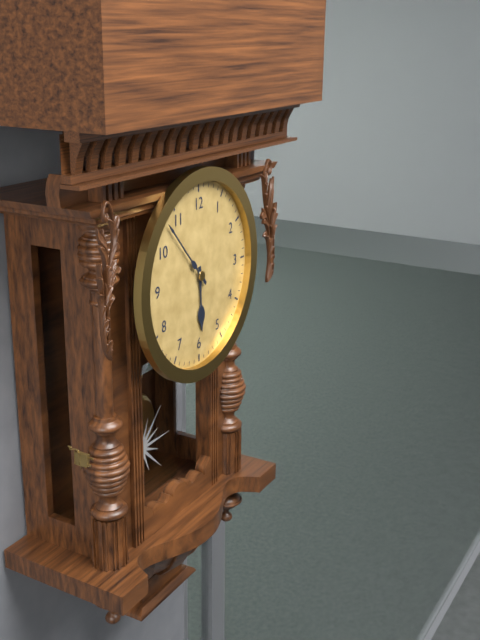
5:53
